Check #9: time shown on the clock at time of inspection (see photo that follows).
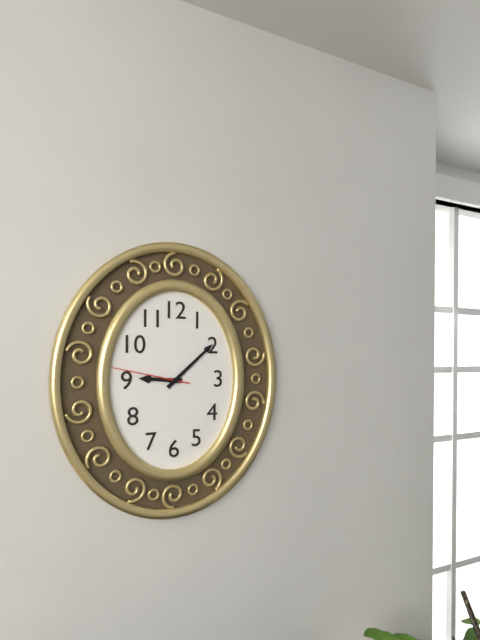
9:08:47
